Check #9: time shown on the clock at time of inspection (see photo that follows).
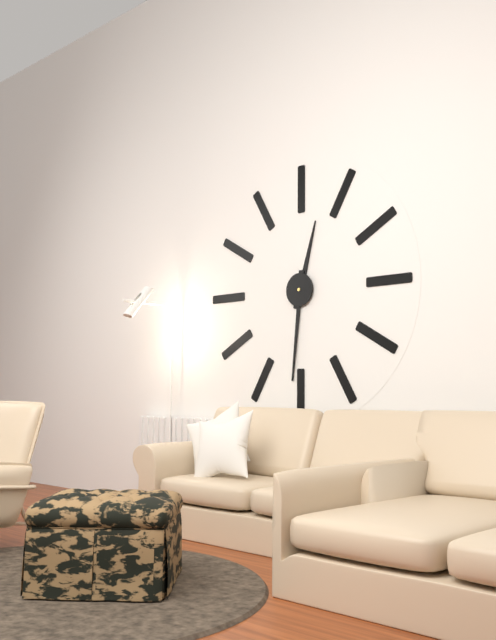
12:31
